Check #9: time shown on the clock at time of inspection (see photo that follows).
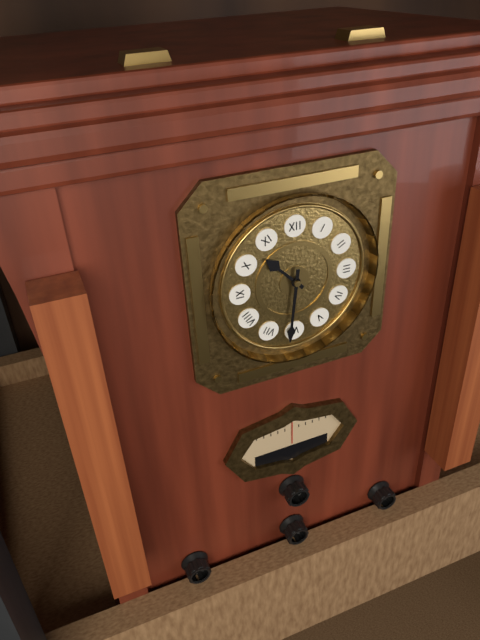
10:31
